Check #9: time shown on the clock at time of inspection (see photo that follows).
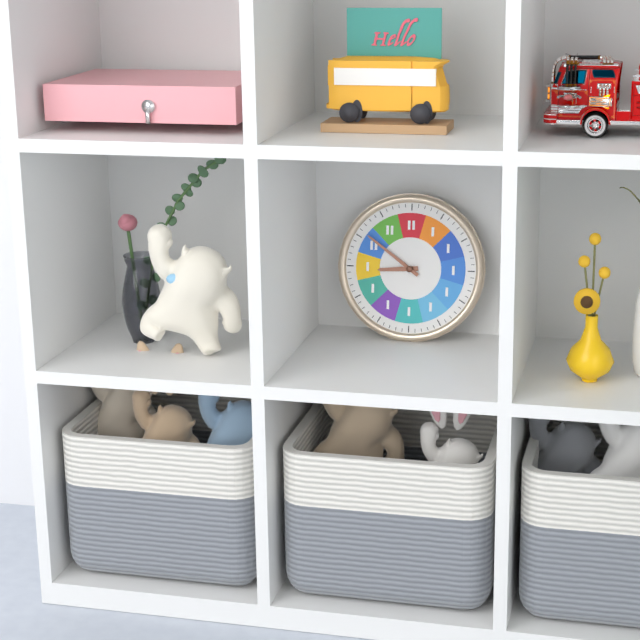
8:51
